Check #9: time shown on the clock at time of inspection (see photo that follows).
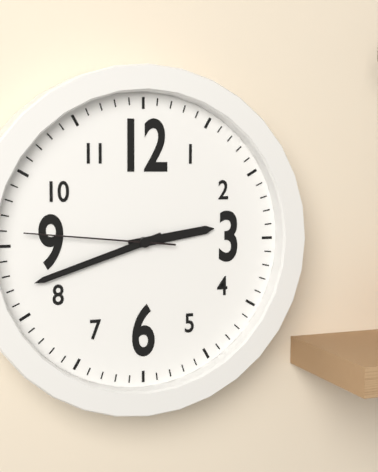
2:42:46
